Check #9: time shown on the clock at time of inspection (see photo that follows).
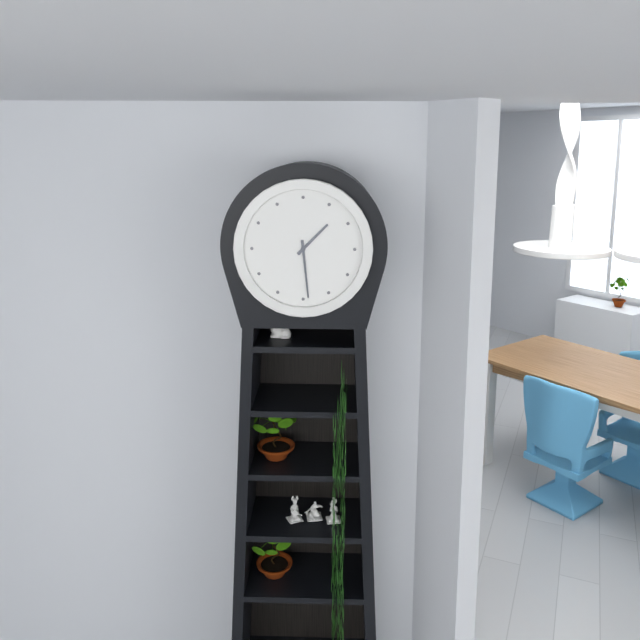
1:29
